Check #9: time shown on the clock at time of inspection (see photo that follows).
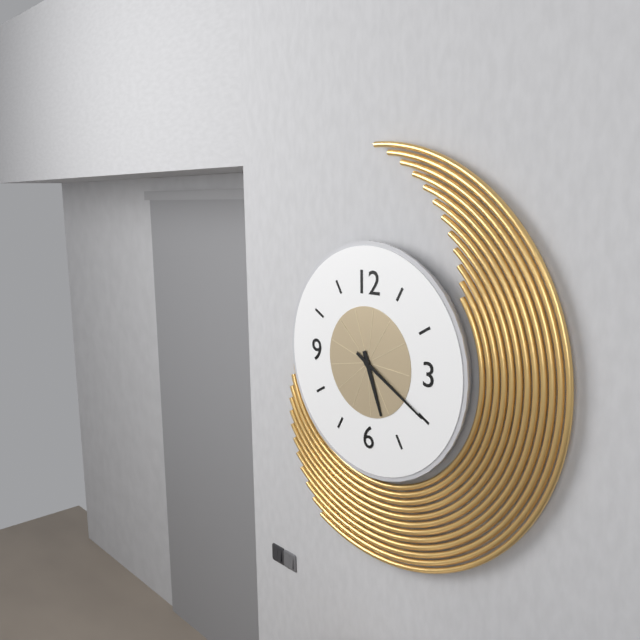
5:20
